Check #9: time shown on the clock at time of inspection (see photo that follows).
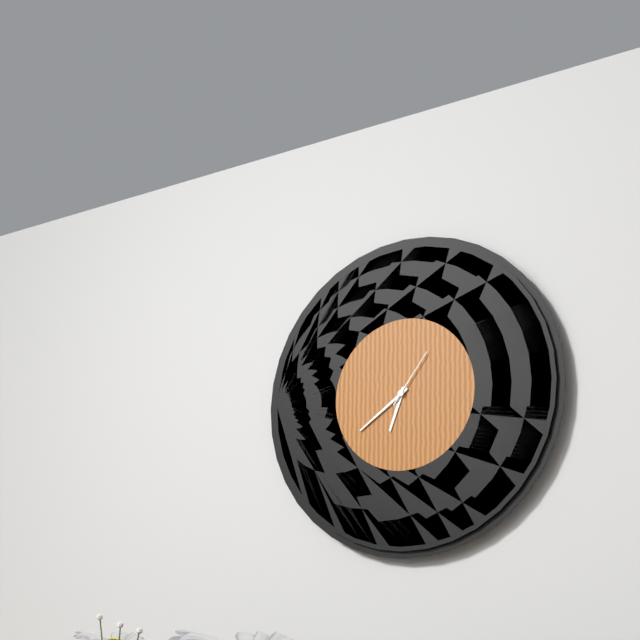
6:39:06
